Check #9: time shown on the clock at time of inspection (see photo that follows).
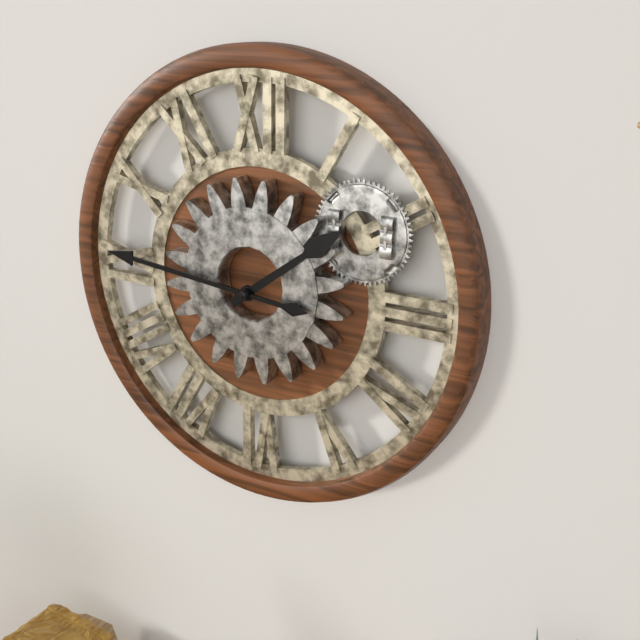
1:46
